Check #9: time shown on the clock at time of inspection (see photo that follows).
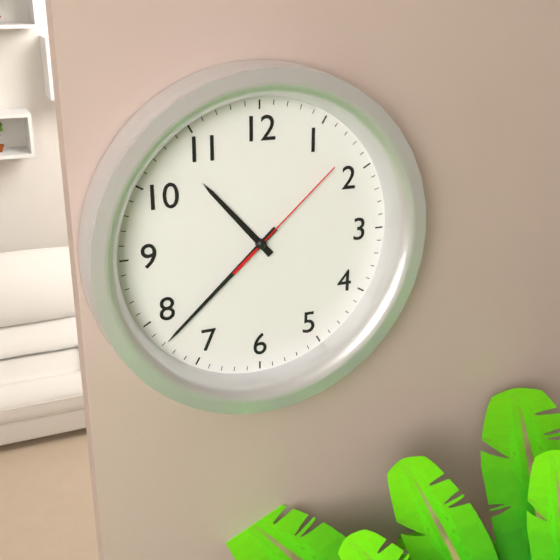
10:38:08
